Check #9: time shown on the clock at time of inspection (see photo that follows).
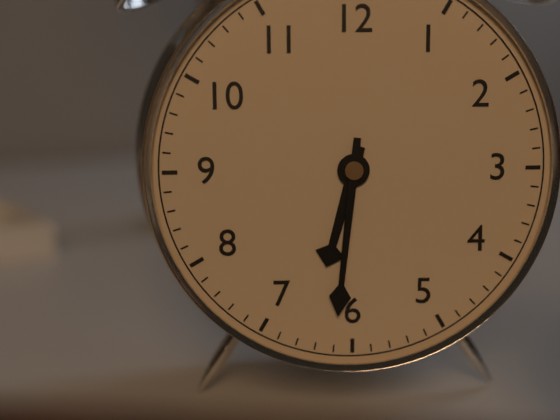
6:31
